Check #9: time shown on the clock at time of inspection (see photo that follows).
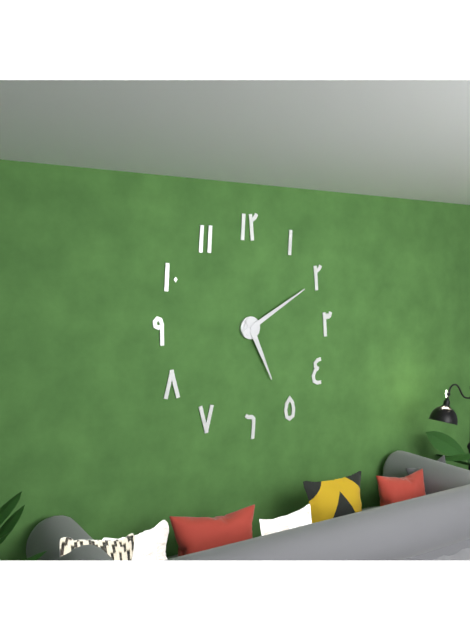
5:10
